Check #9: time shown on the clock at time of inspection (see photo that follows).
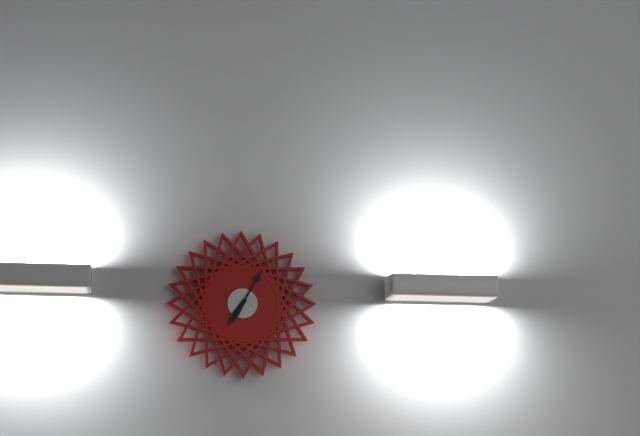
7:05
